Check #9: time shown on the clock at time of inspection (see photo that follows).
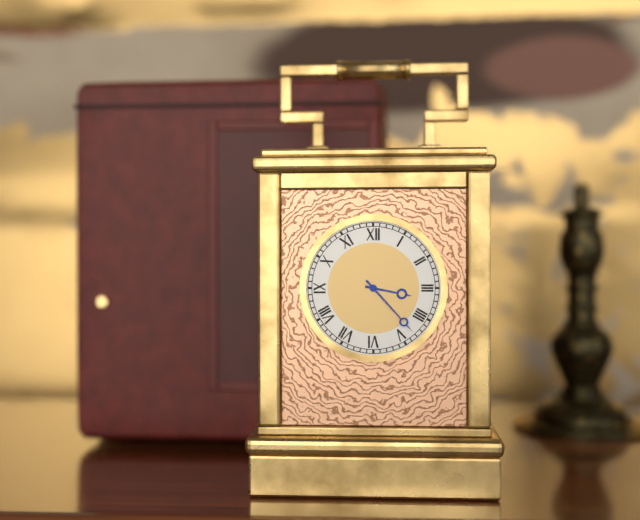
3:23
